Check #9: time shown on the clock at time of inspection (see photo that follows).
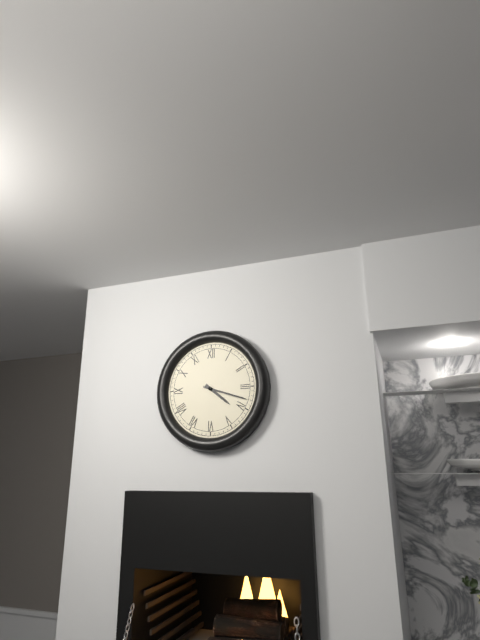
4:18
